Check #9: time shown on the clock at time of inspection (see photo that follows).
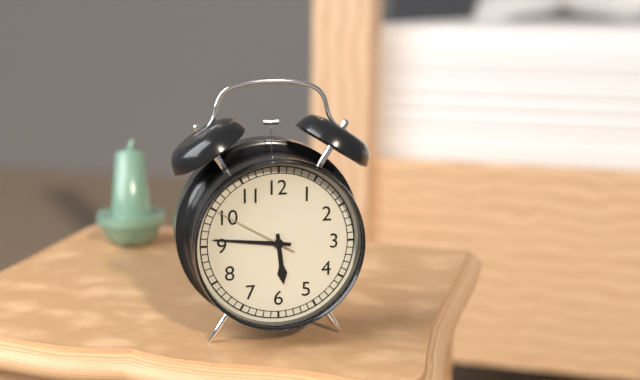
5:46:50
